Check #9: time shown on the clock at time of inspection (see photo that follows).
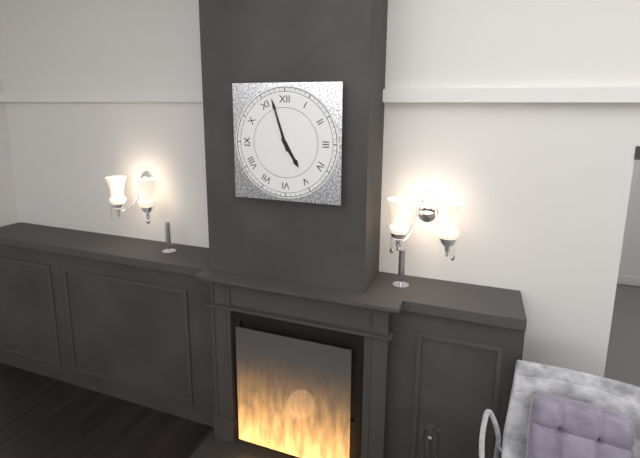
4:57
